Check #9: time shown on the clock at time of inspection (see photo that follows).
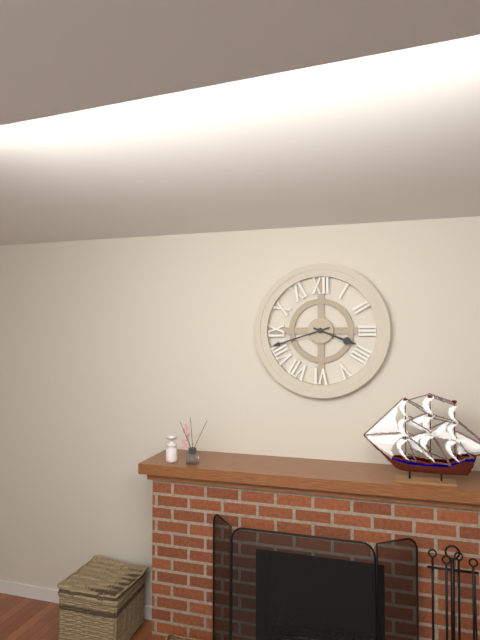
3:42
